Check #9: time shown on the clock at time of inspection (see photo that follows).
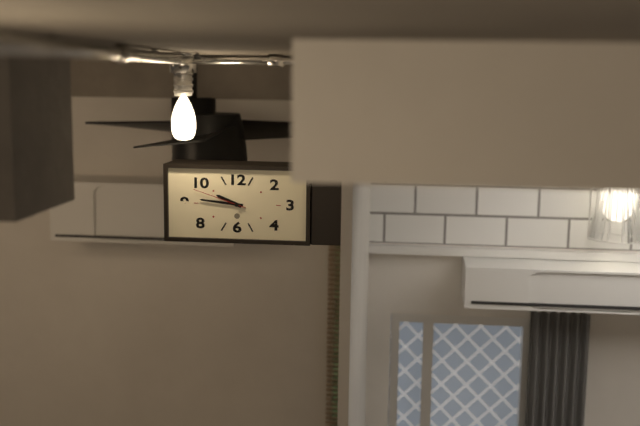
9:46:48
